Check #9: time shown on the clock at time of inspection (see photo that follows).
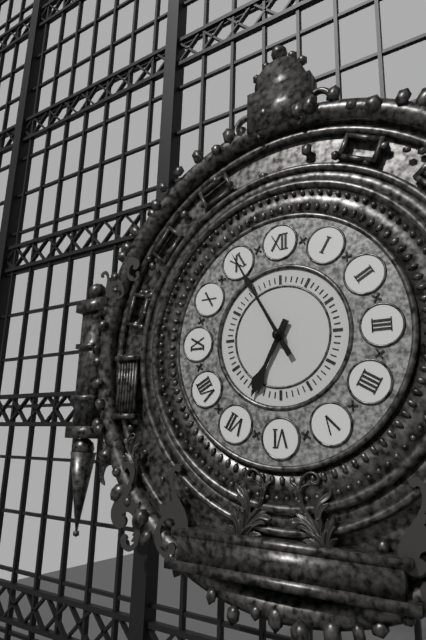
6:55
